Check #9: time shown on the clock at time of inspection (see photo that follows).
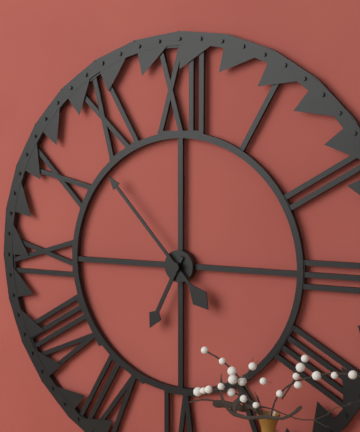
6:53
